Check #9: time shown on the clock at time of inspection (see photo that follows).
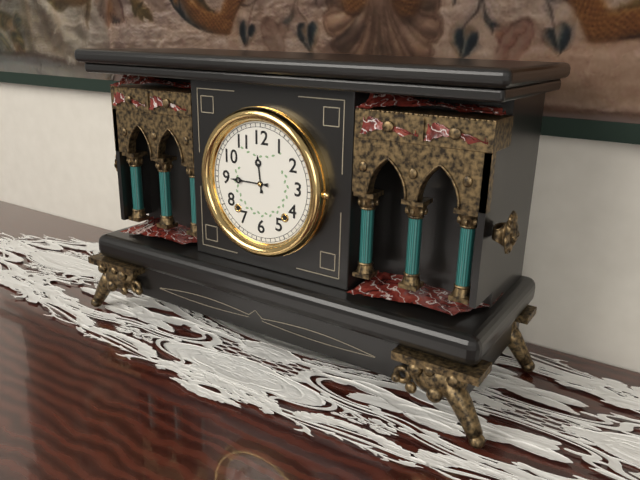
11:45
